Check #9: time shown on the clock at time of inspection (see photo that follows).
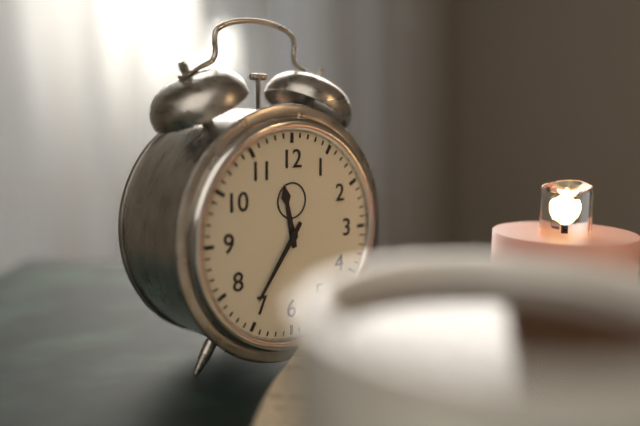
11:36
